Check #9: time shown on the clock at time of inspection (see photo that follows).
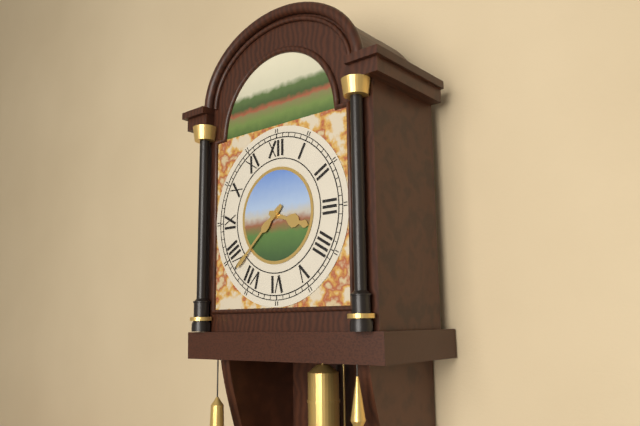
3:38
